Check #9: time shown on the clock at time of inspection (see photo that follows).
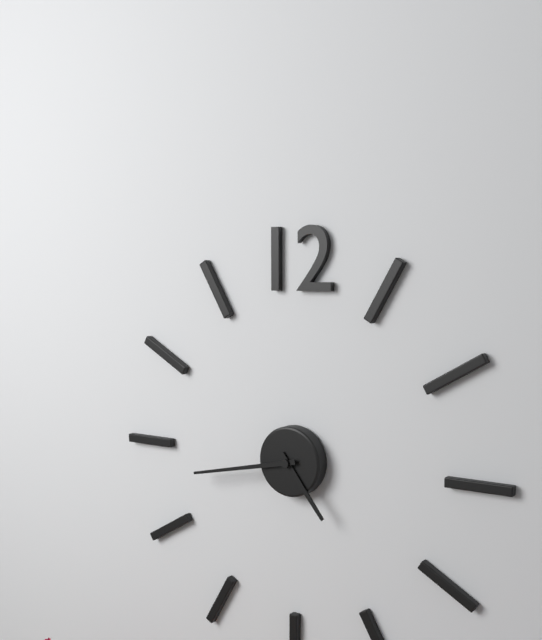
4:43
